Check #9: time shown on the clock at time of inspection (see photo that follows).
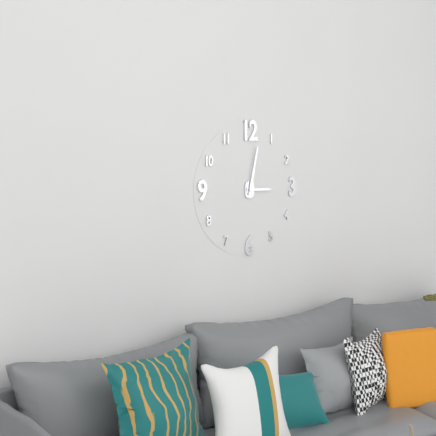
3:02
